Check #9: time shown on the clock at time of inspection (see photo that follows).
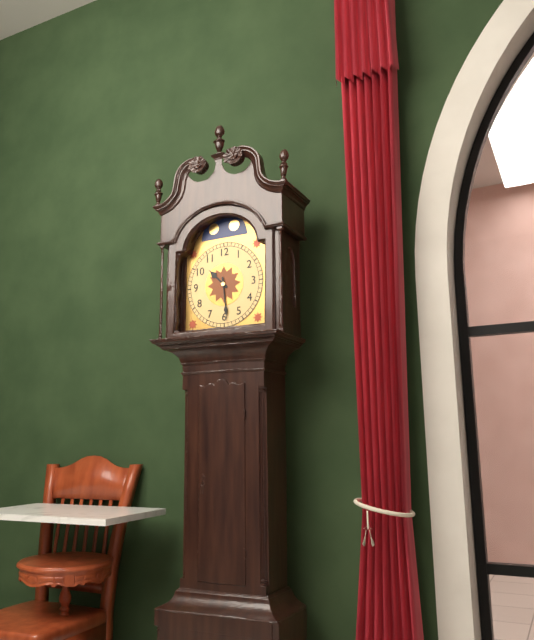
10:29
